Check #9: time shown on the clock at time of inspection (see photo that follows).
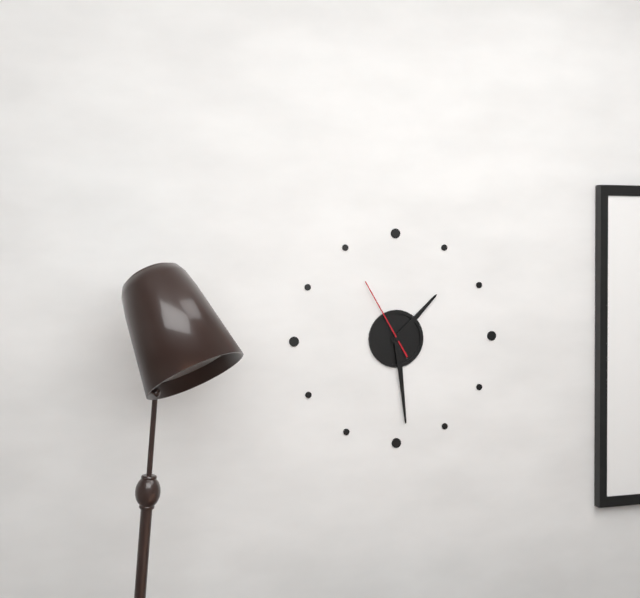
1:29:55
